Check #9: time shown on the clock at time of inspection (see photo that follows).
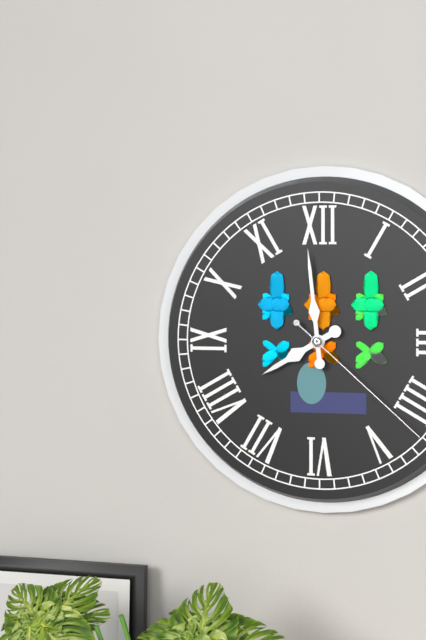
7:59:22
